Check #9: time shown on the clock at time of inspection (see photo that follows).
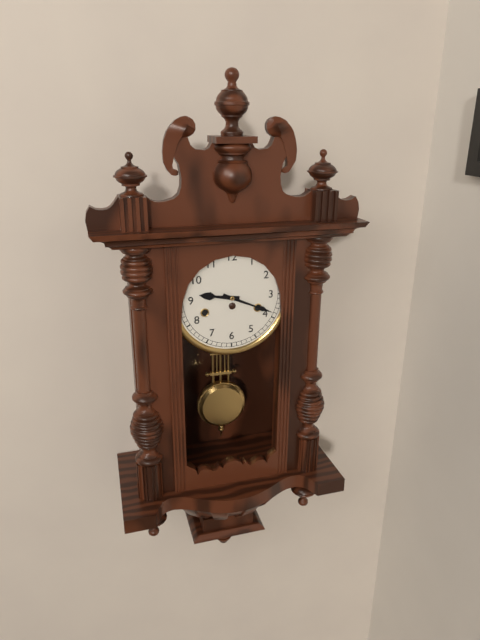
9:19
